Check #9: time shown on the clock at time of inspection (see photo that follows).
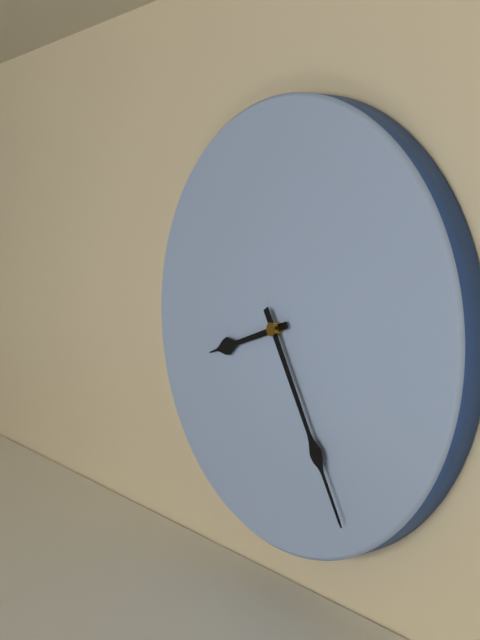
8:25
